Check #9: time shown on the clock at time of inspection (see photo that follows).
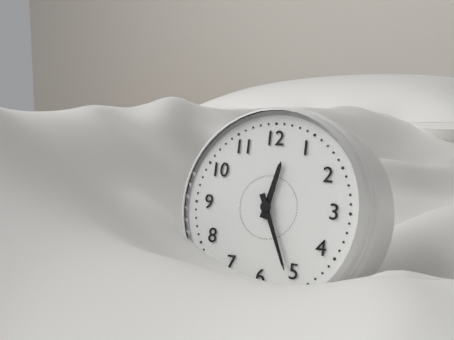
12:26
